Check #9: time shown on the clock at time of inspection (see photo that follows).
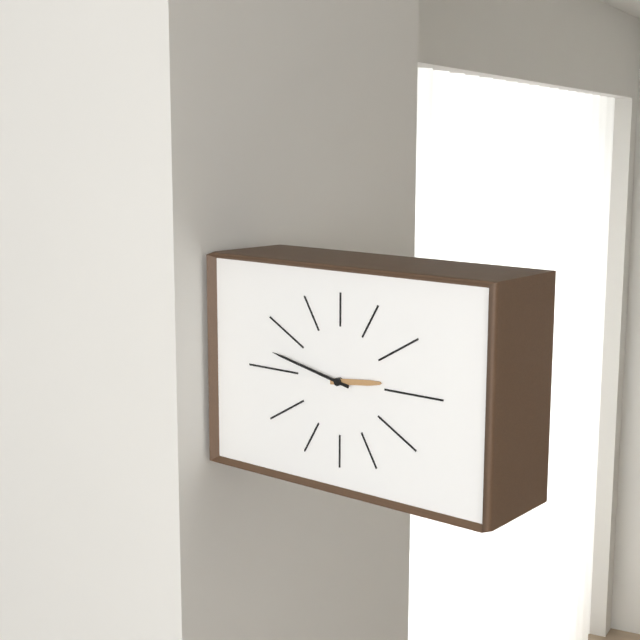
2:47
